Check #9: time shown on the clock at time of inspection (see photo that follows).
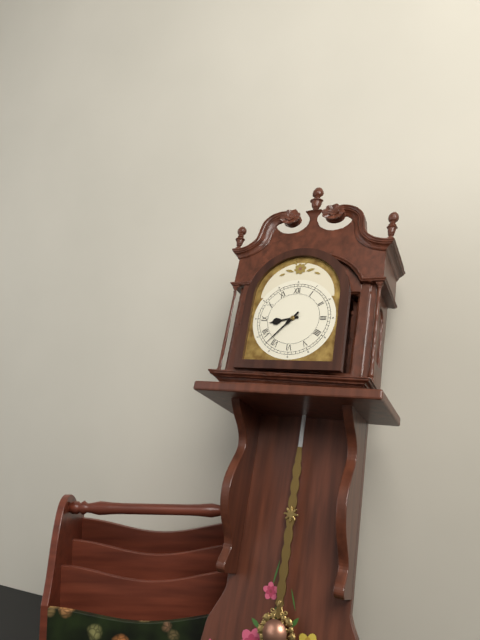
8:37
